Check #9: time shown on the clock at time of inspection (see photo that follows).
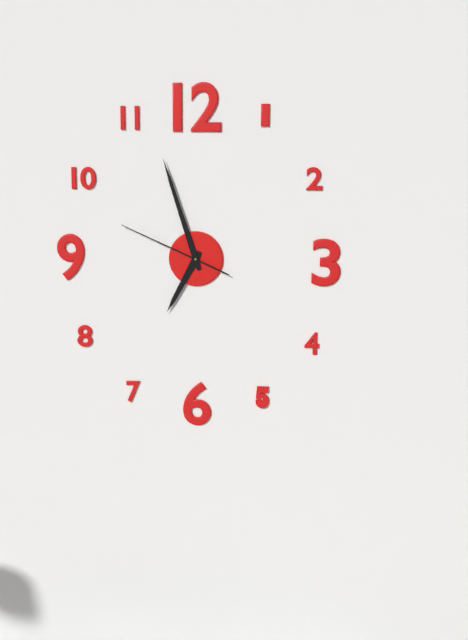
6:57:49
